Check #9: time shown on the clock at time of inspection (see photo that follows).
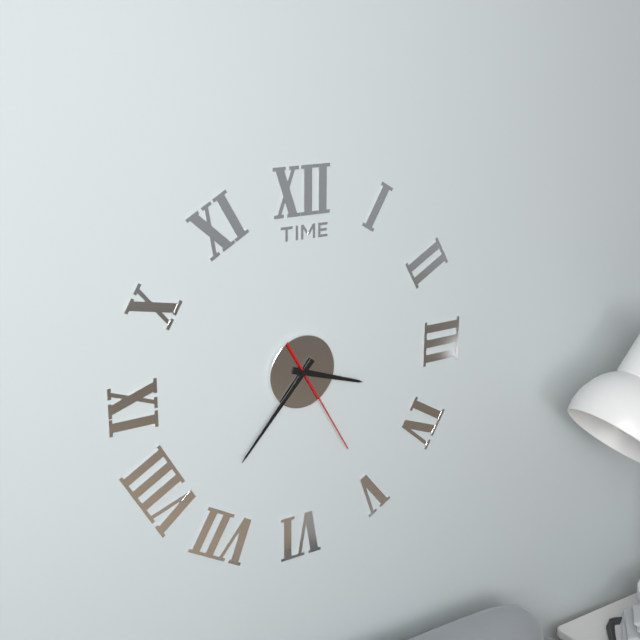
3:37:25
